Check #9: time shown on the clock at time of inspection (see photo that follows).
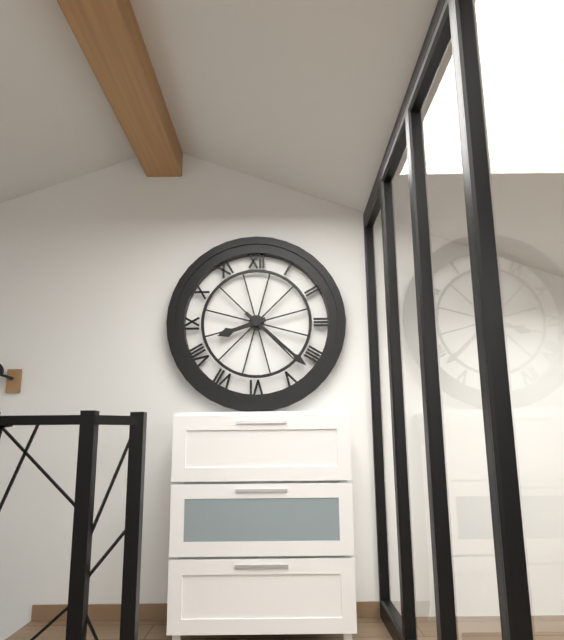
8:22
